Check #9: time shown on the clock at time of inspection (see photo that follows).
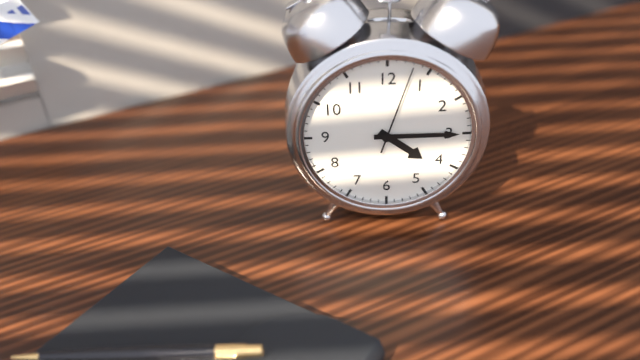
4:15:03
